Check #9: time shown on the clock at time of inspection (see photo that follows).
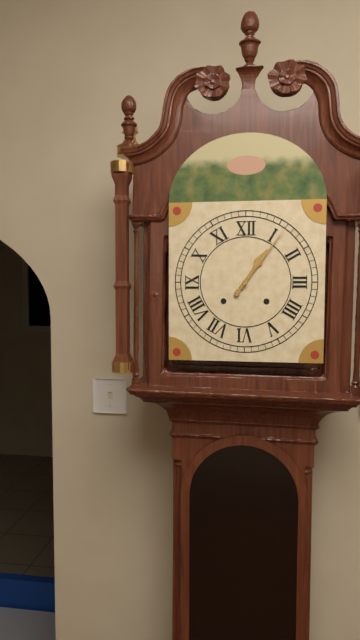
1:06
